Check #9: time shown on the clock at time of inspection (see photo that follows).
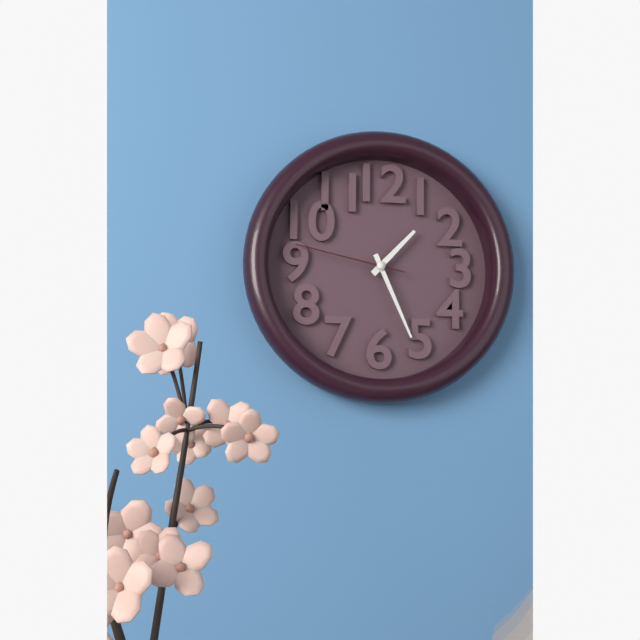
1:26:47
